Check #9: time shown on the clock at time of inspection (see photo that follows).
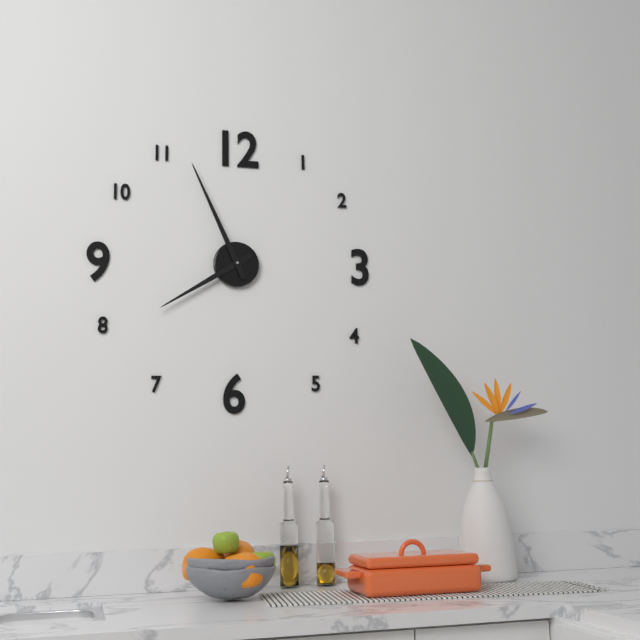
7:56
